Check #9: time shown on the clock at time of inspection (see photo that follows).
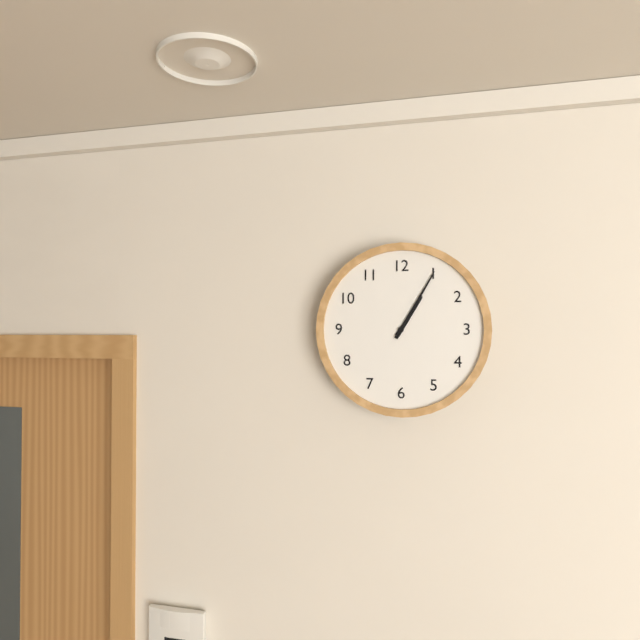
1:05
